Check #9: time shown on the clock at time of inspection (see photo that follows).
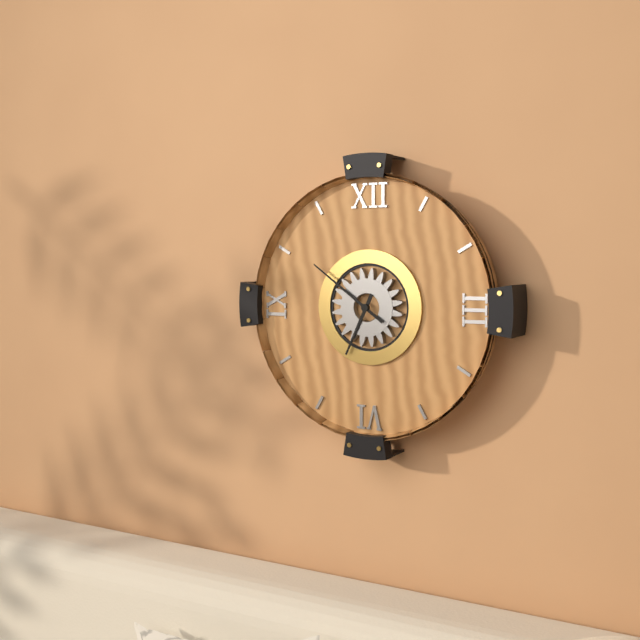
6:51
